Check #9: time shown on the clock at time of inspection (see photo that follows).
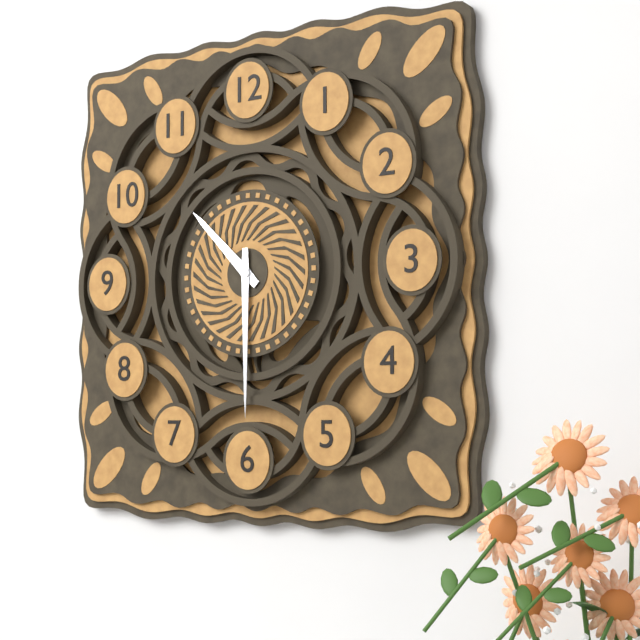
10:30
